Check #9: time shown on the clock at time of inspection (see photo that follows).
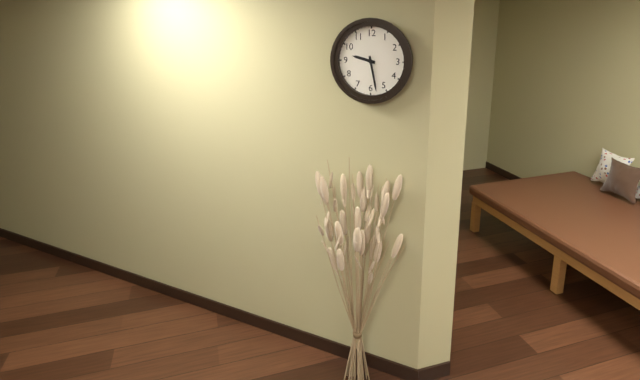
9:28
